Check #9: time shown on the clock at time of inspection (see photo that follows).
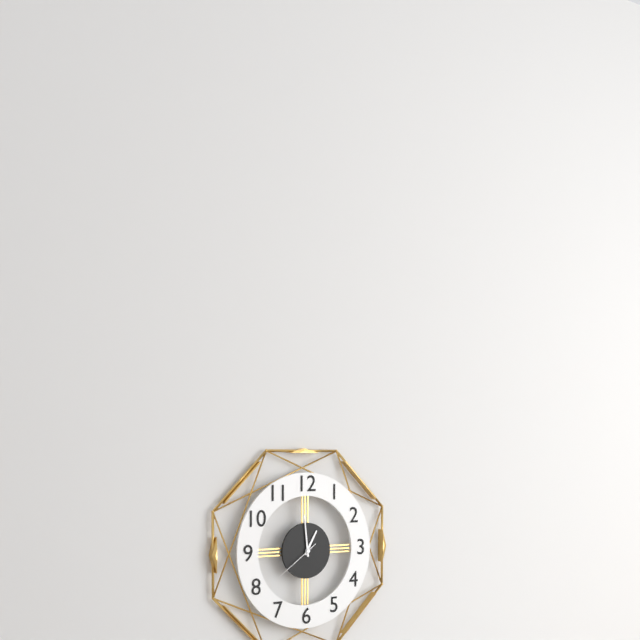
12:59
